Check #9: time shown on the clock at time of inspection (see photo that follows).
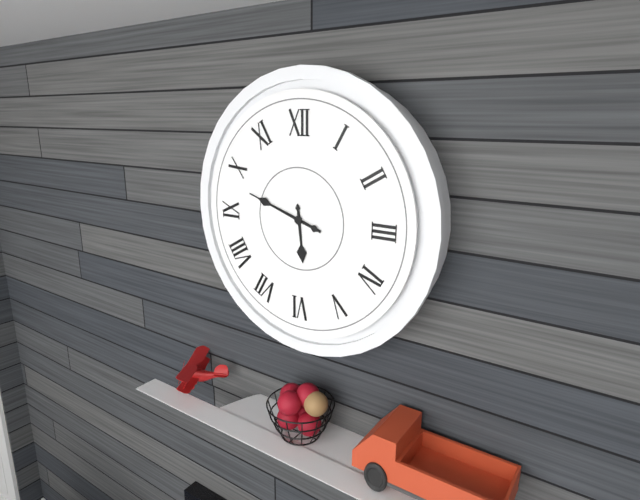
5:48
